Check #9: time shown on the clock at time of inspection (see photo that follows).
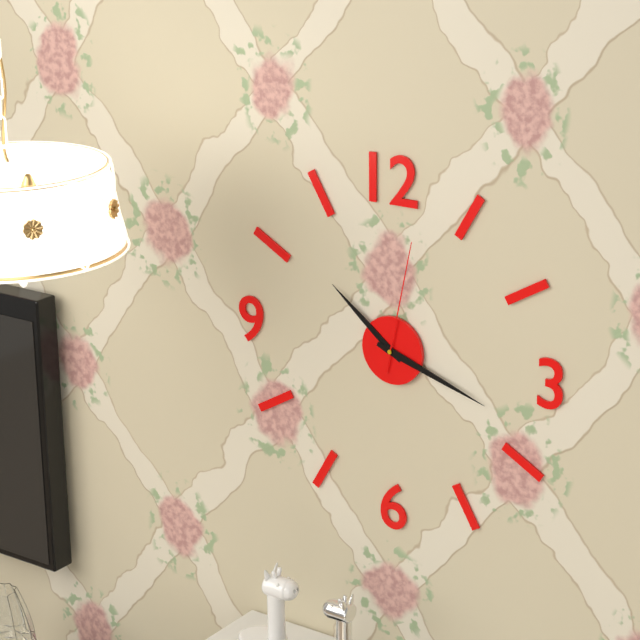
10:18:02
